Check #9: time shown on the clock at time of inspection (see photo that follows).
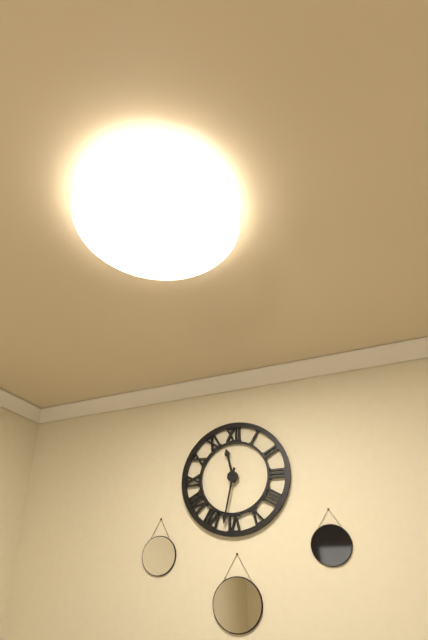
11:32
